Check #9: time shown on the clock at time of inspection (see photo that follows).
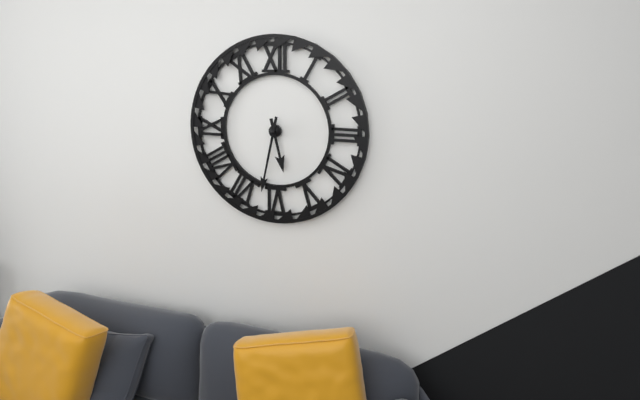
5:32
